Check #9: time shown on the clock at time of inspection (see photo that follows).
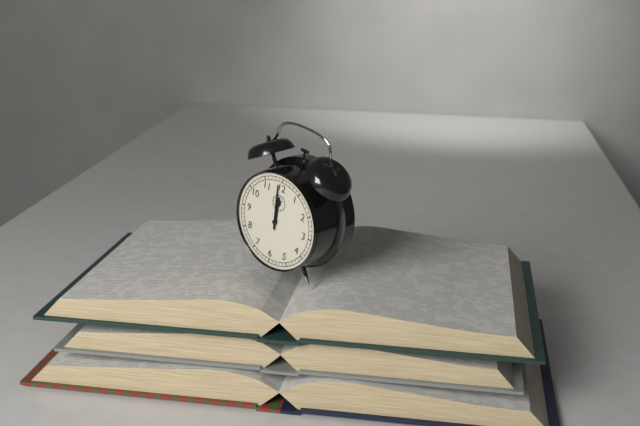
11:59
